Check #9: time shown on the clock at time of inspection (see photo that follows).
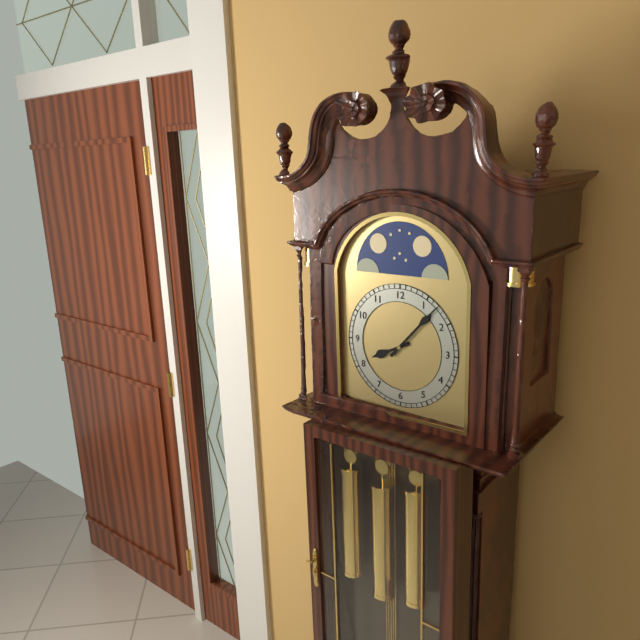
8:07
